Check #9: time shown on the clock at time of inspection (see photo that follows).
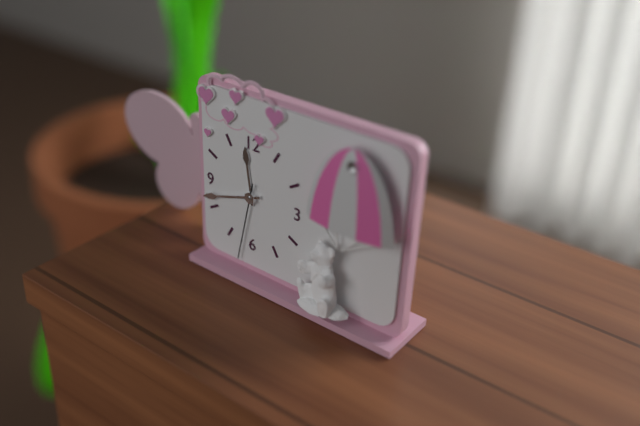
11:42:32
